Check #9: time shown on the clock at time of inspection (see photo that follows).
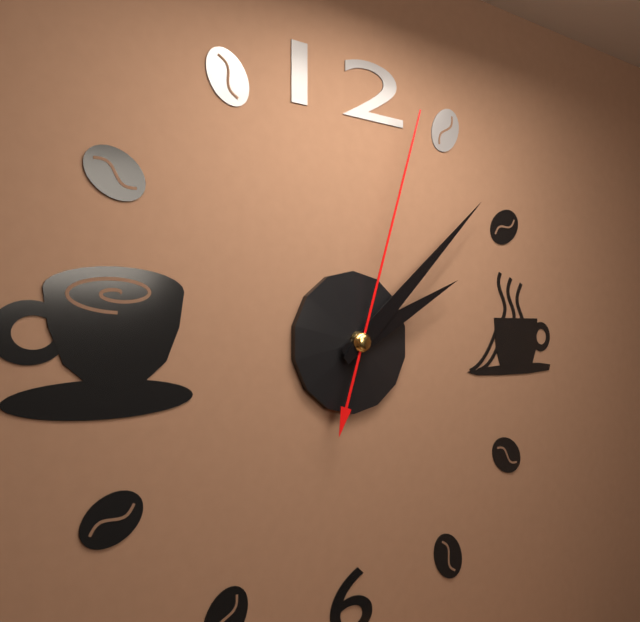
2:08:03
